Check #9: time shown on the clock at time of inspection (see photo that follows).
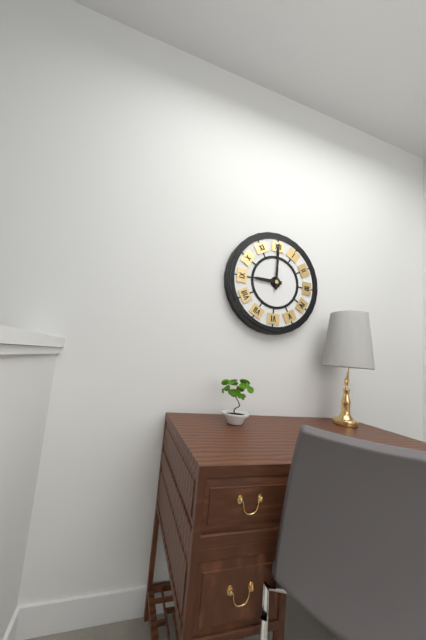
9:00
